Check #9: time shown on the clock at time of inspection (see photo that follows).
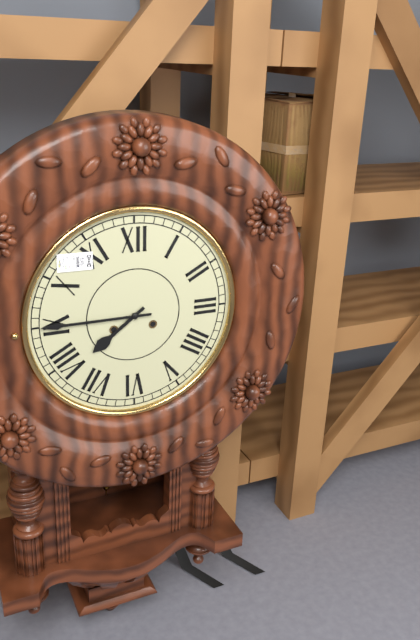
7:45
